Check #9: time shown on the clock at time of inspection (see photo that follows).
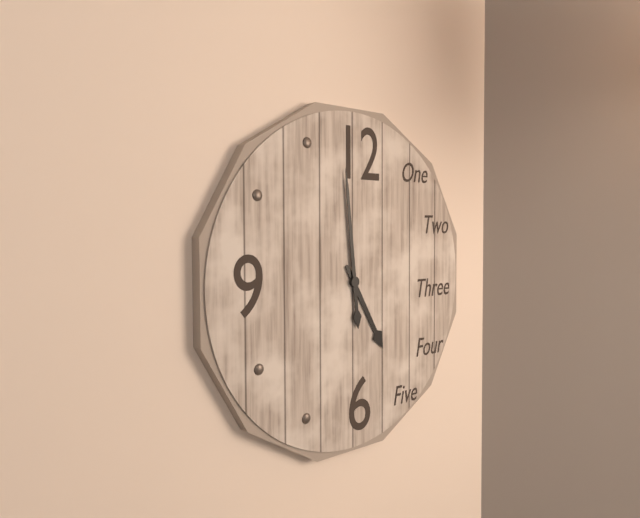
4:59
